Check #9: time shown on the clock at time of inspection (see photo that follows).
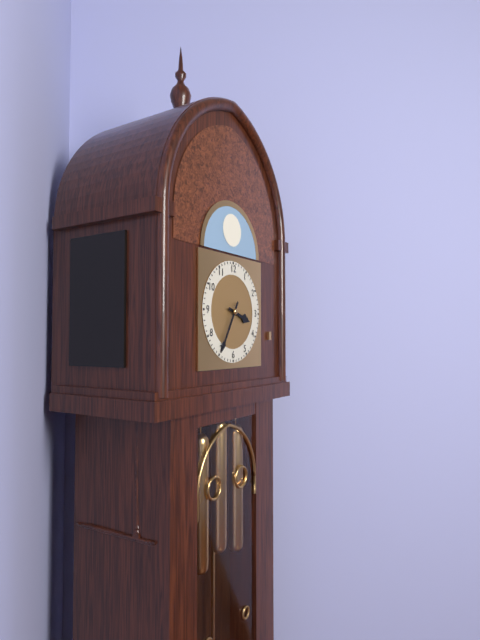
3:35
